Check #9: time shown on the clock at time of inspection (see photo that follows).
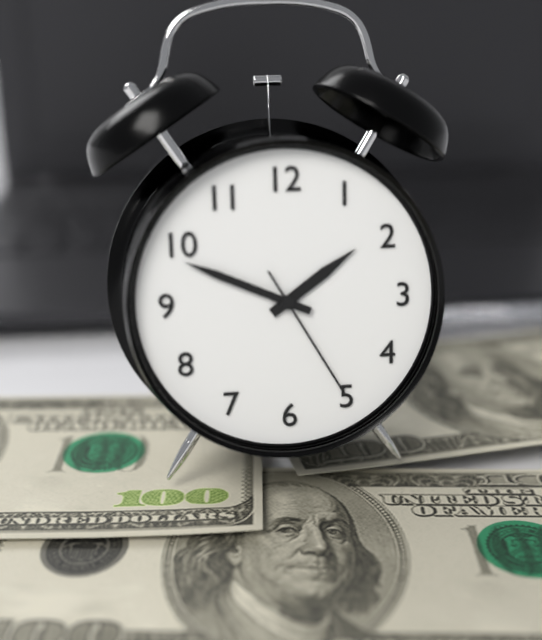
1:49:25
